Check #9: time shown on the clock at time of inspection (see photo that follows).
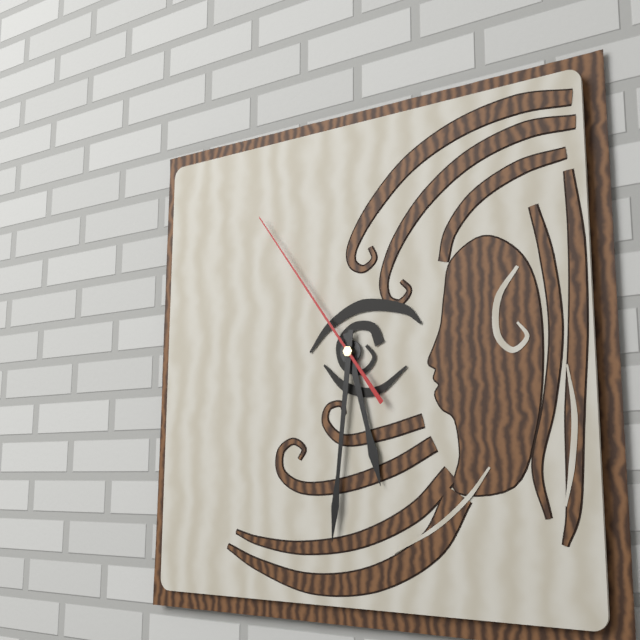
5:31:54
